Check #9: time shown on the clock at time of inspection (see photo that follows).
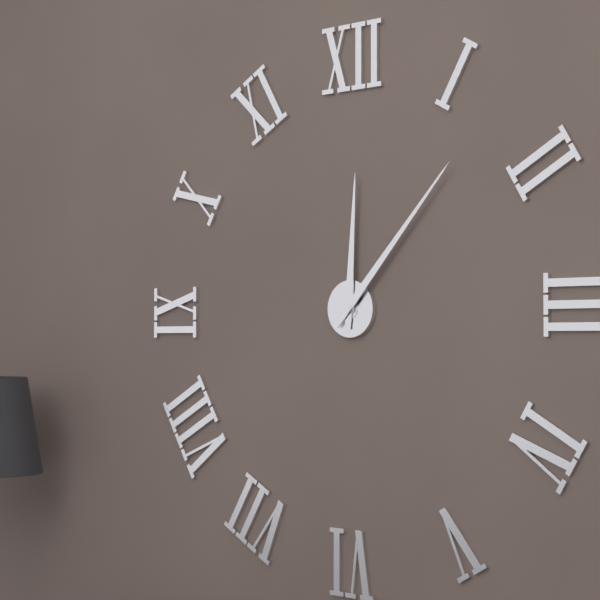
12:07
